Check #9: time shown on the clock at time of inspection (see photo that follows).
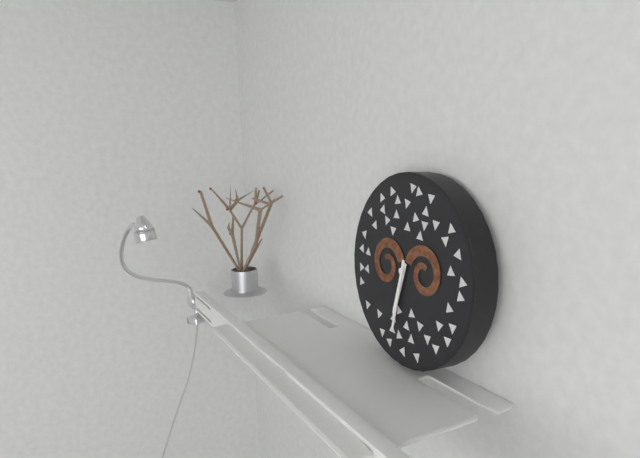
6:32
